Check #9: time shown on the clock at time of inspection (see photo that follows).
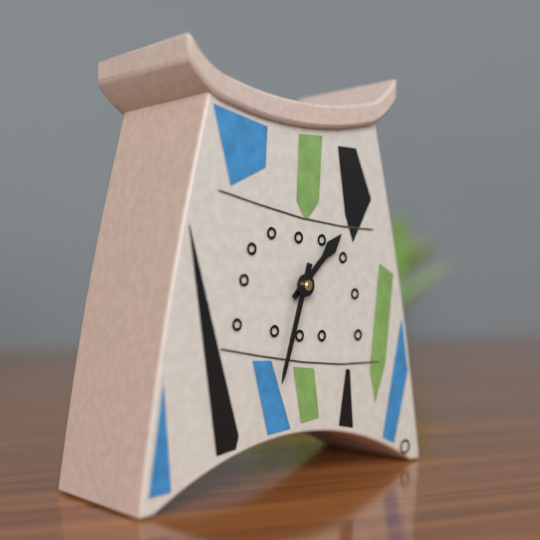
1:33
